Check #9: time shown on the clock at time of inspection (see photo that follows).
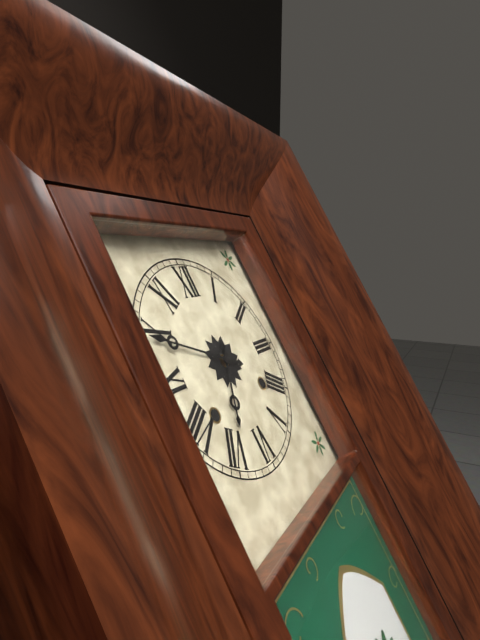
6:49
